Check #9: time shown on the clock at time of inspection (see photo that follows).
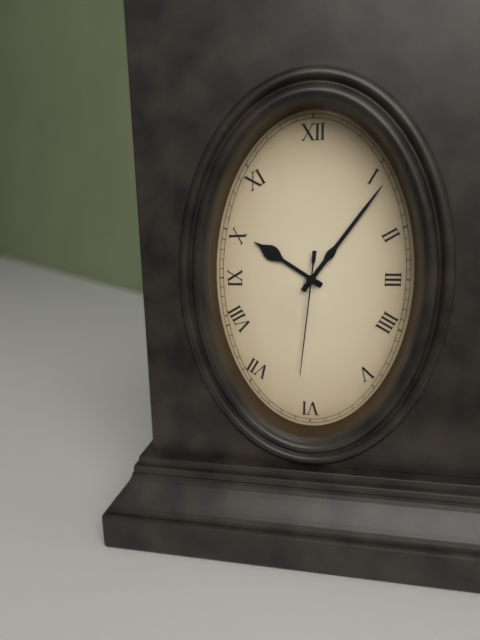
10:06:31
